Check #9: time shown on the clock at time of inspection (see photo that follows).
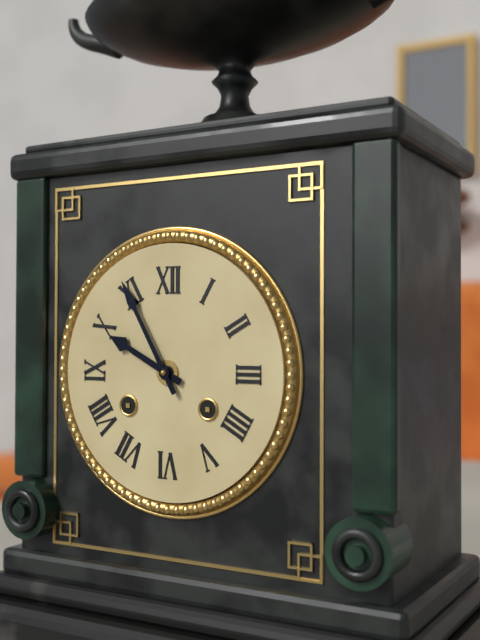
9:55
